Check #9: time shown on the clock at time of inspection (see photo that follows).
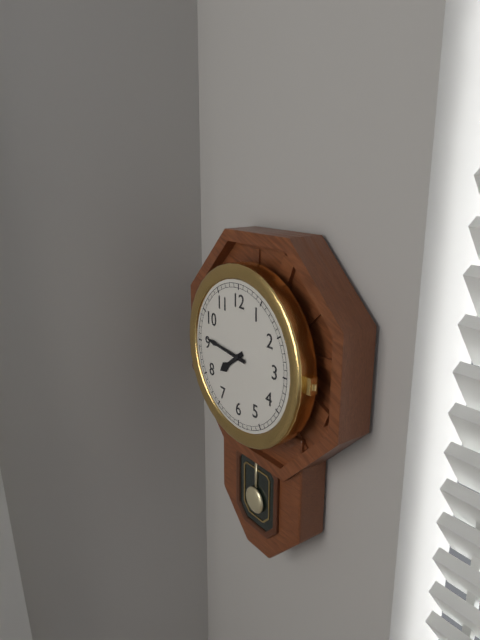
7:46
